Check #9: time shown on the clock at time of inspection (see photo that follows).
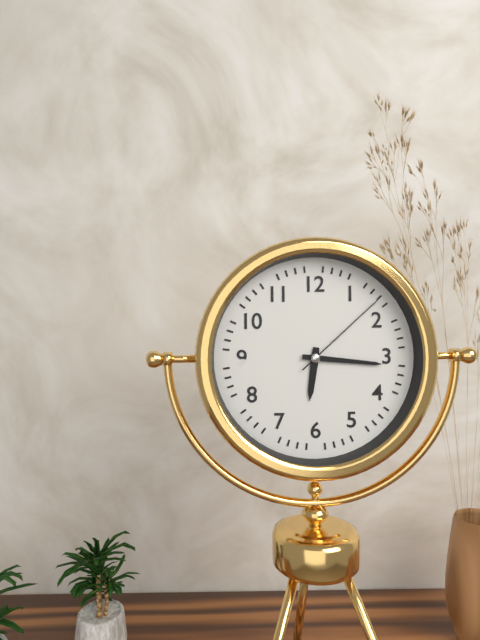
6:16:08
